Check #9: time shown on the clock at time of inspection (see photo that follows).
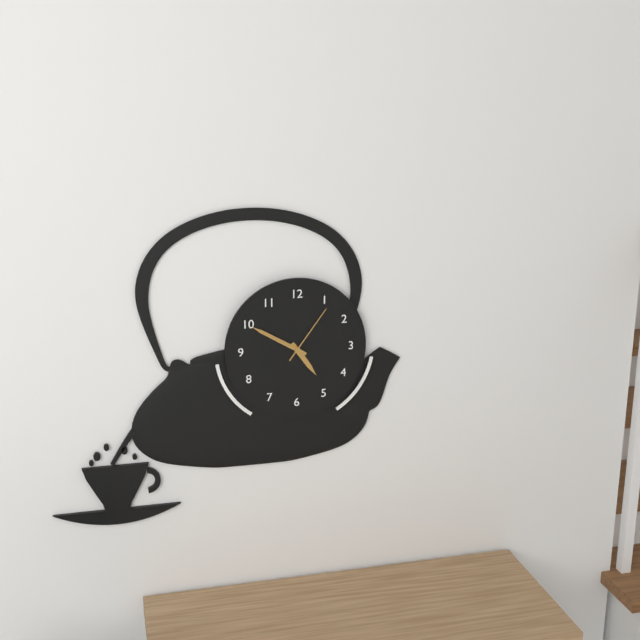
4:50:06
